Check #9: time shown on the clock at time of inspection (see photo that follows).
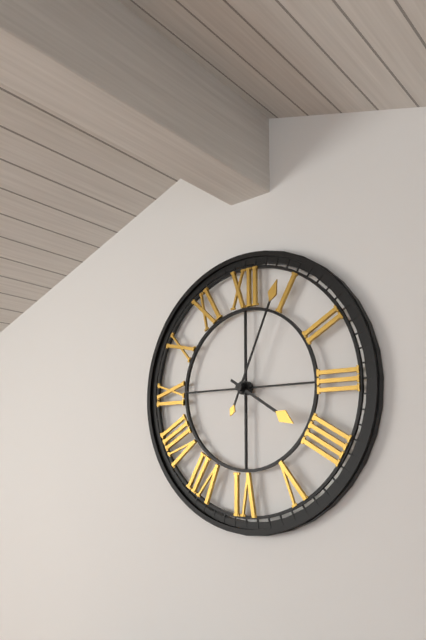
4:04
